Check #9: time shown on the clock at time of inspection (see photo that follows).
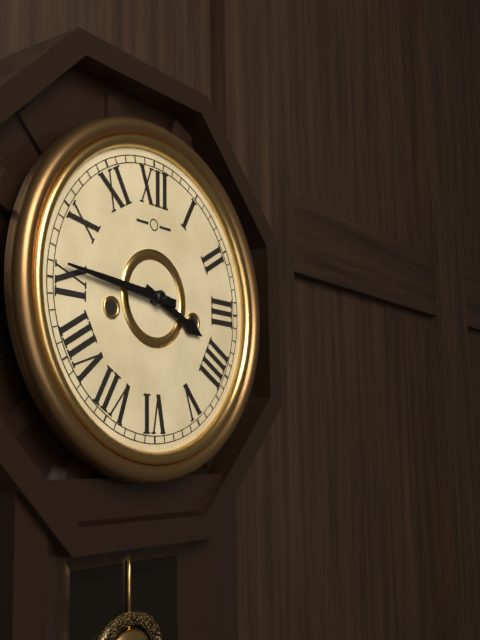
3:46
